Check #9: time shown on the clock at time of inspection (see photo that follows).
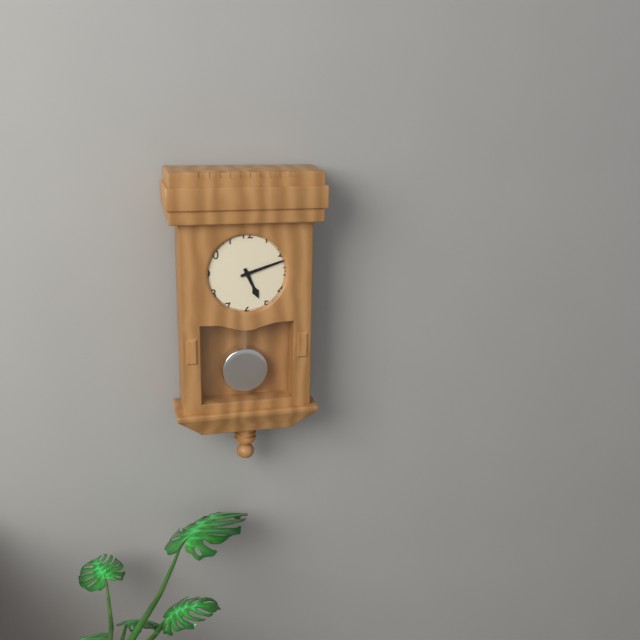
5:12
